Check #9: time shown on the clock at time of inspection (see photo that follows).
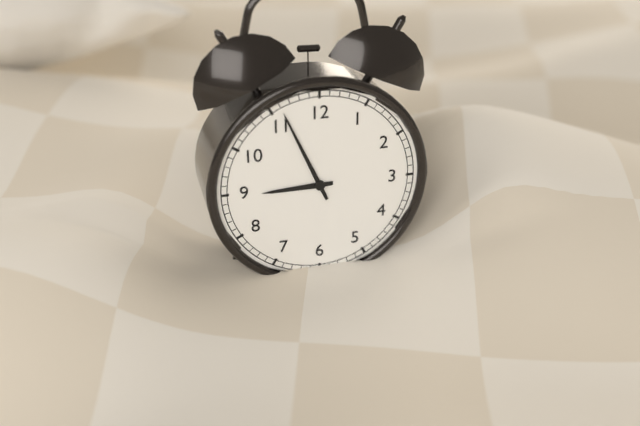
8:56
